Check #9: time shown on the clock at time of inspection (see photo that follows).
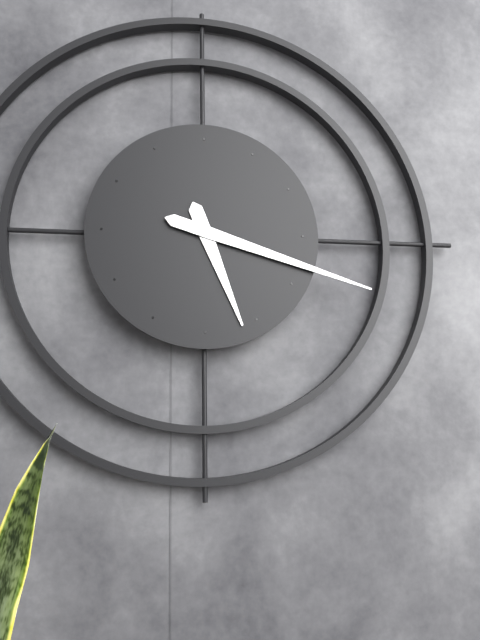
5:18
